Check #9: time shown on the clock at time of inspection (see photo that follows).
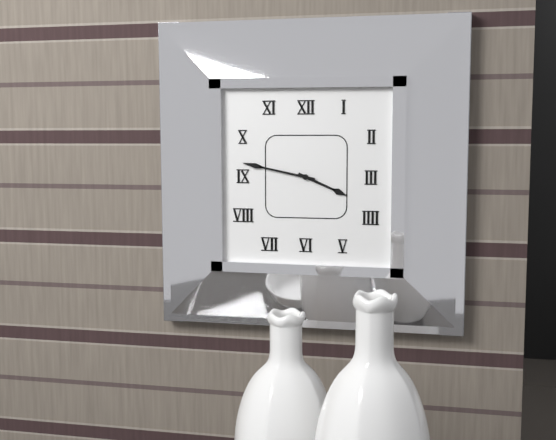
3:47
